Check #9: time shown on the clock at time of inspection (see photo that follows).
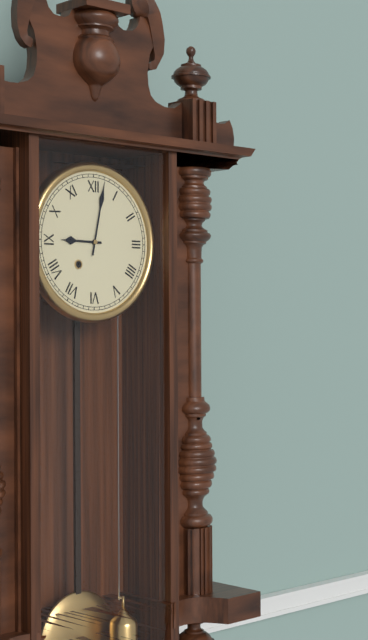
9:02
